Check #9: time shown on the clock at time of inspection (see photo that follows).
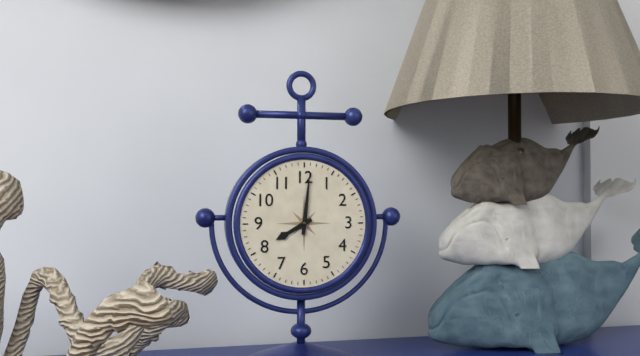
8:01
